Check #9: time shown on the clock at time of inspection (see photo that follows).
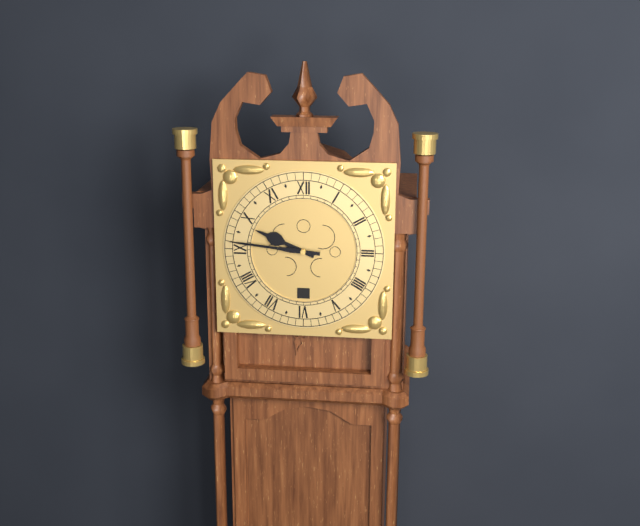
9:46
